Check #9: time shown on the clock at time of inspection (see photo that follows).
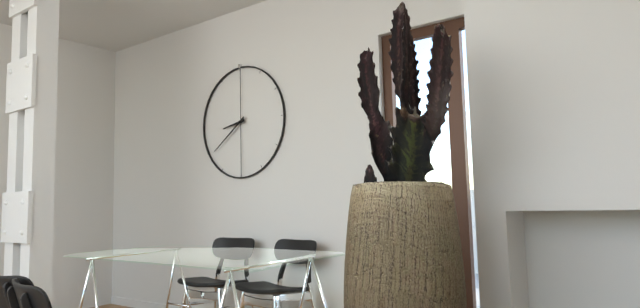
8:39
